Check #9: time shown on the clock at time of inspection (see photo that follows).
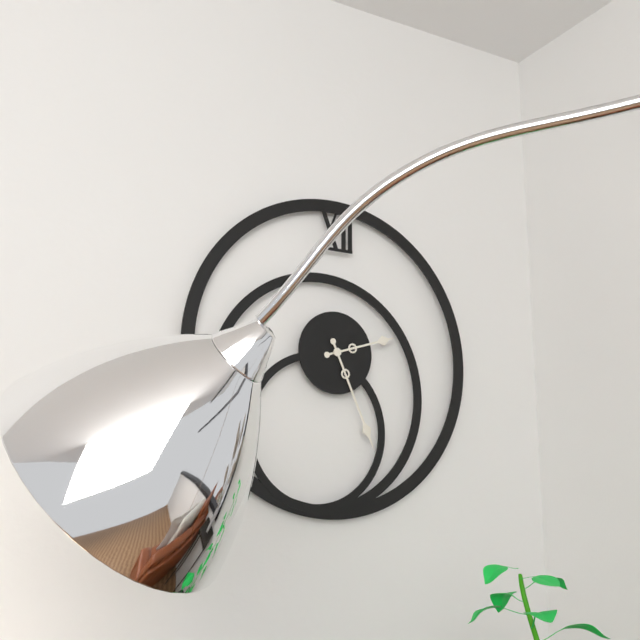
2:26
